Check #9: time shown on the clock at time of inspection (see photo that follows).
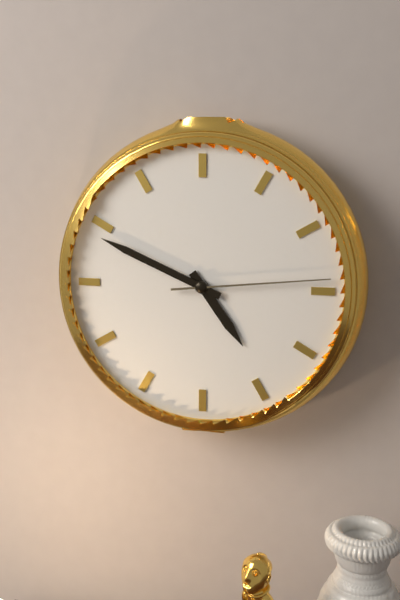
4:49:14
